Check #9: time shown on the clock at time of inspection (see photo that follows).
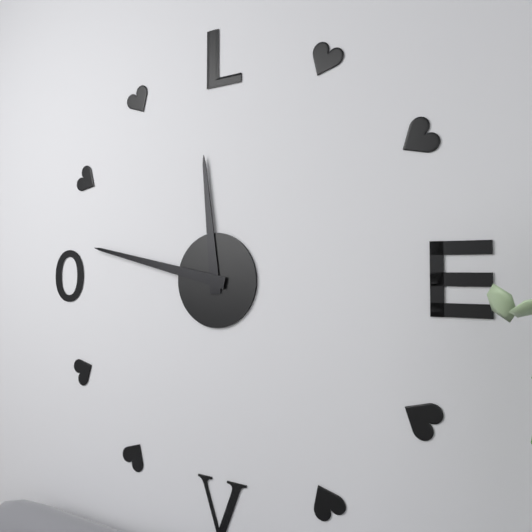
11:47
